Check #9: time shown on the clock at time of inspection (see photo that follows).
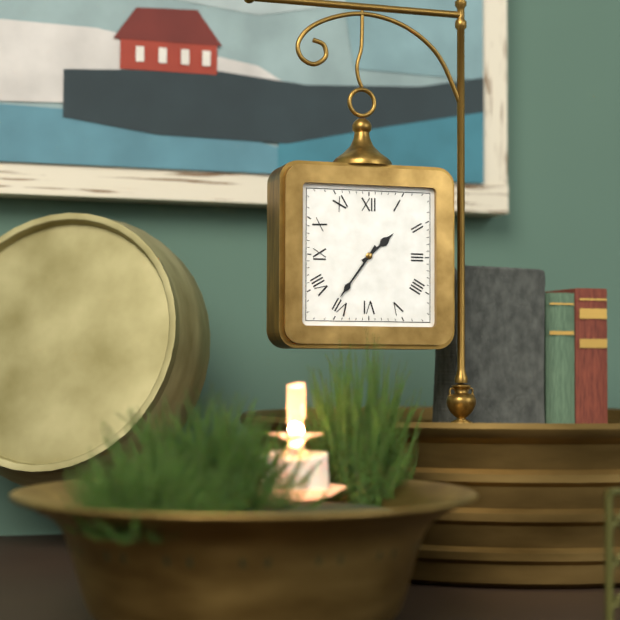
1:36
